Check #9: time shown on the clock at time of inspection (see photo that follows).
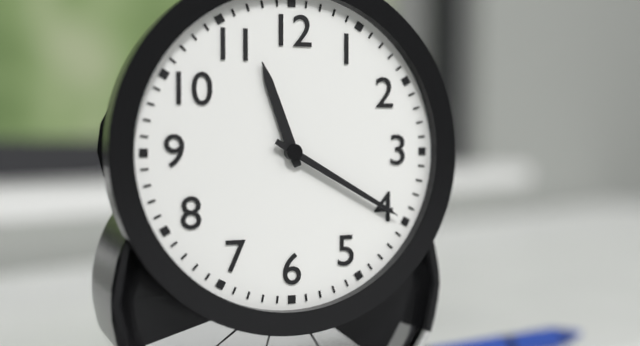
11:20
